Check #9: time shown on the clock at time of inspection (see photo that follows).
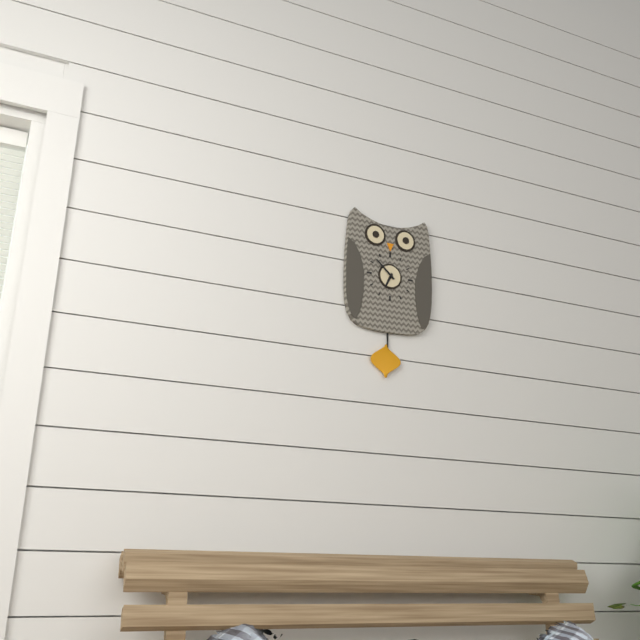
6:52
